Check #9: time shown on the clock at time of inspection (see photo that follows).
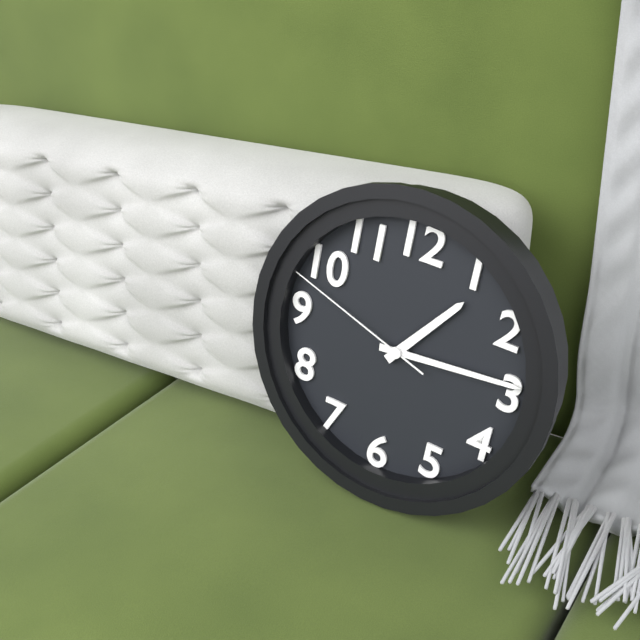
1:14:48
